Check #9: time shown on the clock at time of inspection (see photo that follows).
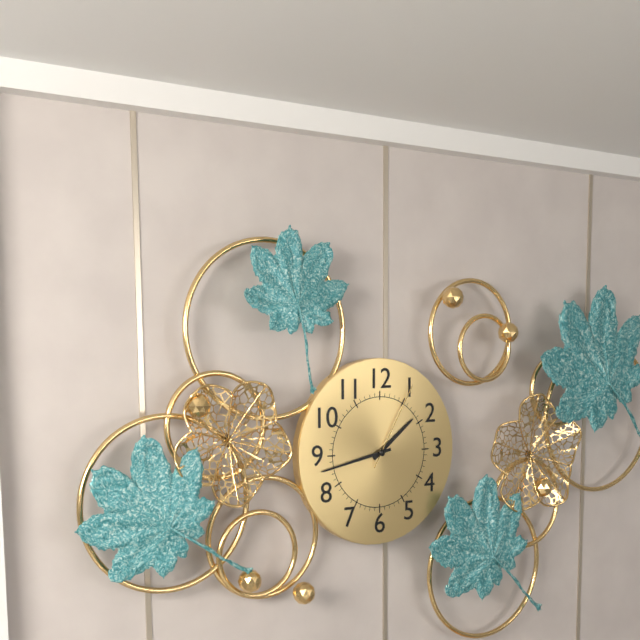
1:43:05
